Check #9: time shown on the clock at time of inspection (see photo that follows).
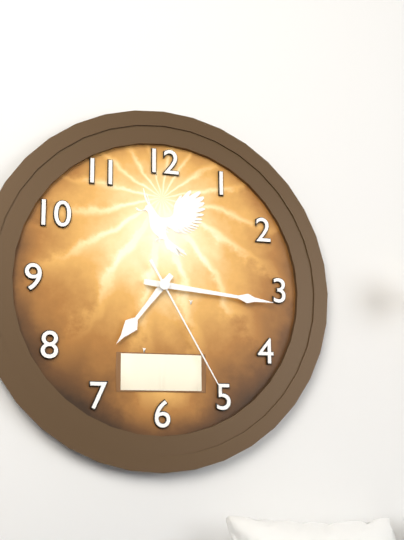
7:16:25
